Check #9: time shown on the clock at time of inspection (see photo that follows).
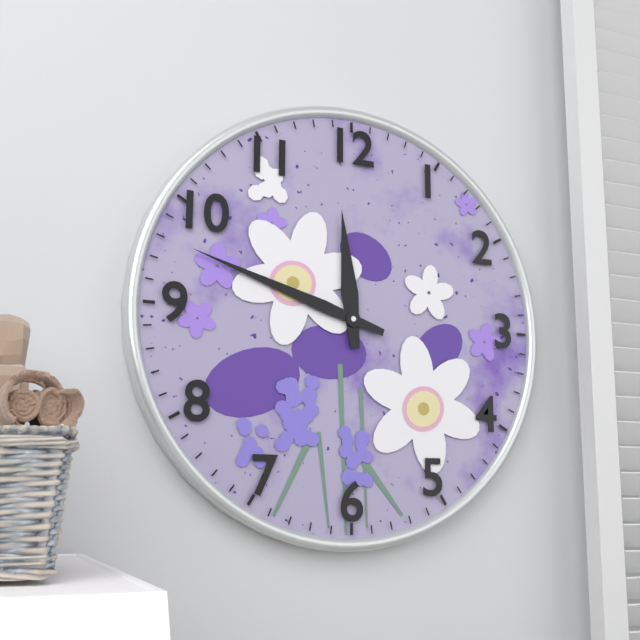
11:48
